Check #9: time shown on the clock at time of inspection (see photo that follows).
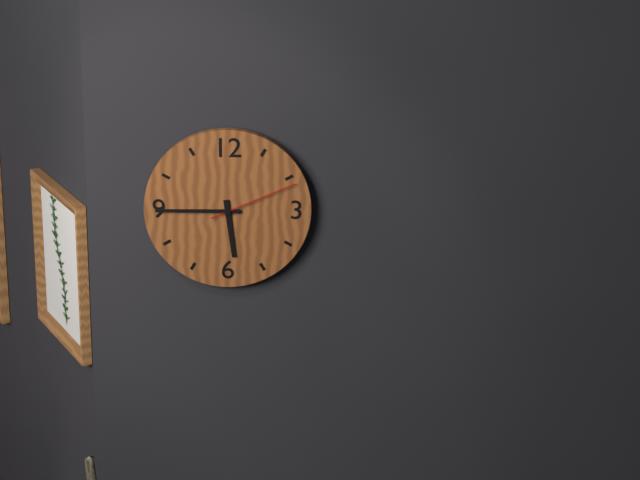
5:45:11
